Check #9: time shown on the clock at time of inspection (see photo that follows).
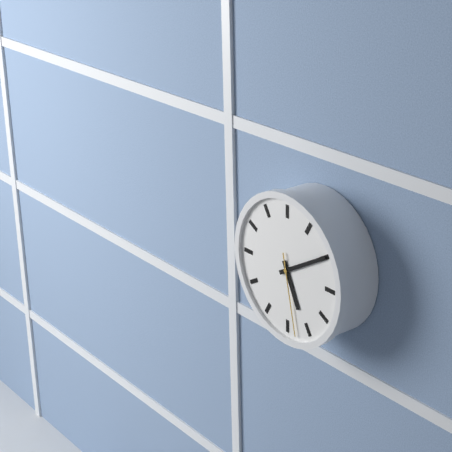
5:10:28
